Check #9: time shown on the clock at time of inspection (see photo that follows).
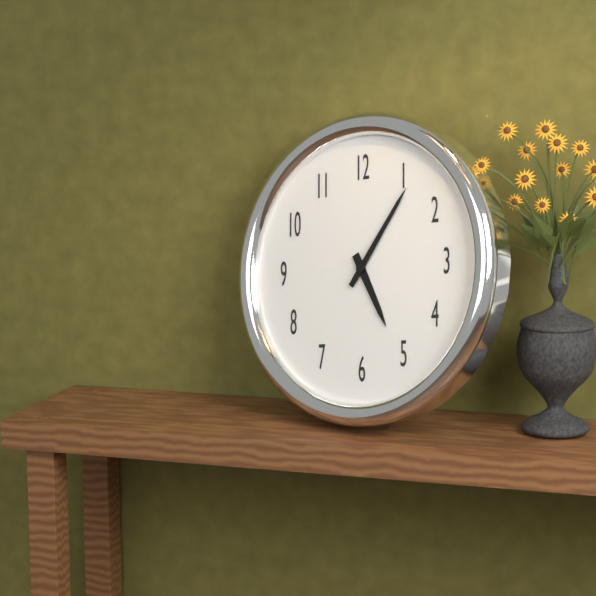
5:06
